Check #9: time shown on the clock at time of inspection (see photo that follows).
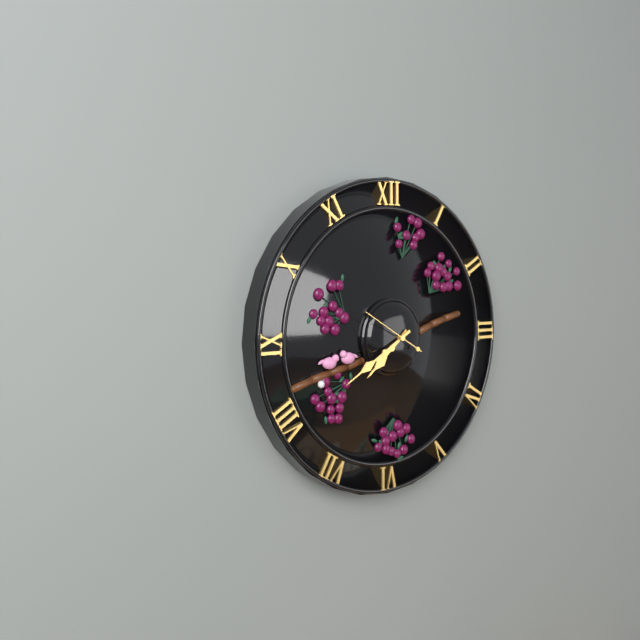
7:40
